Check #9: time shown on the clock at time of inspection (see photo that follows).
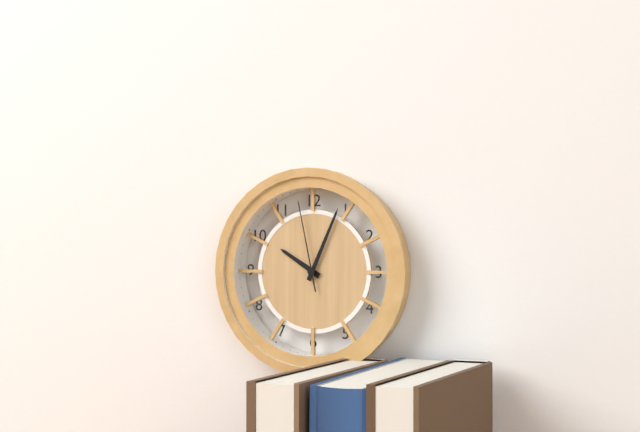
10:04:58
